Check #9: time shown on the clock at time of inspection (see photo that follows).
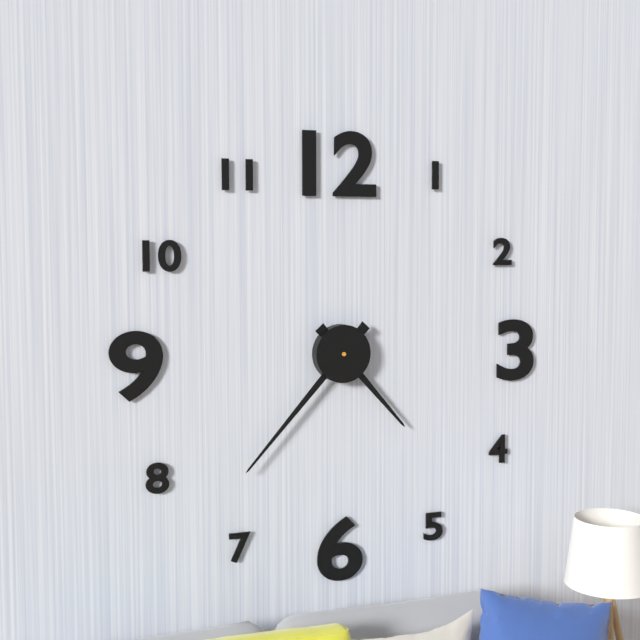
4:37
